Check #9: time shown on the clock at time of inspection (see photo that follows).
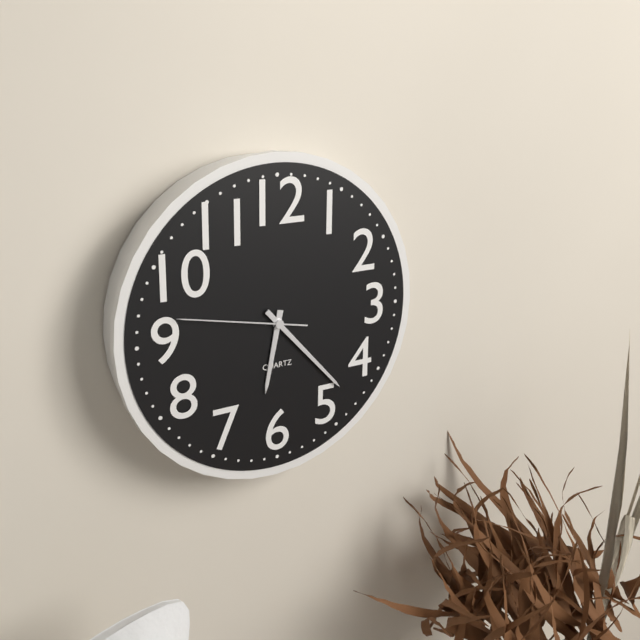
6:23:47
